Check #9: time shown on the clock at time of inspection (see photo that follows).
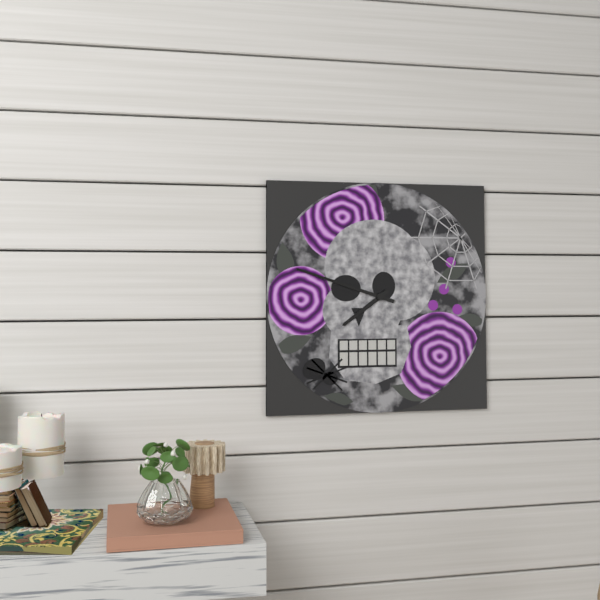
7:48
